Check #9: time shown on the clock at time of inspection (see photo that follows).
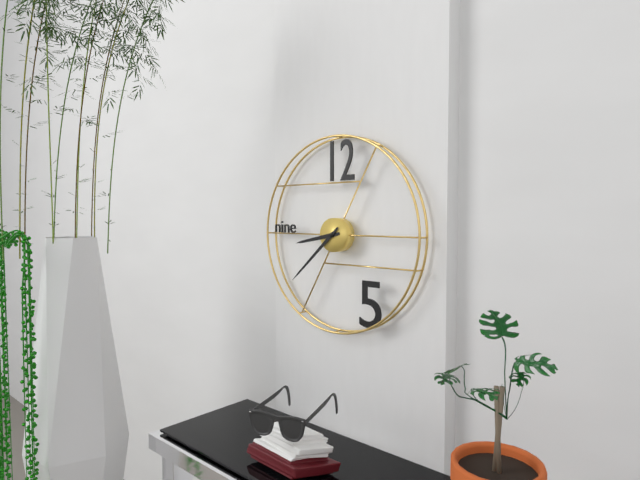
8:38
